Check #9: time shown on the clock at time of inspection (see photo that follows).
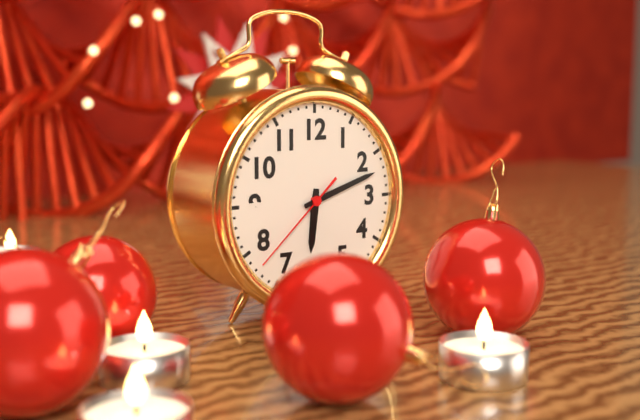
6:12:38
